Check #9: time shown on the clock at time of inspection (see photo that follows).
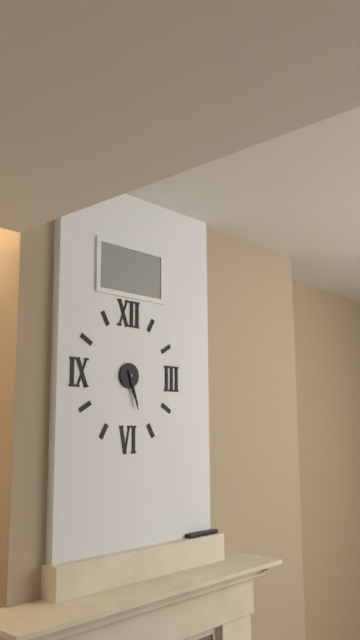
5:27
